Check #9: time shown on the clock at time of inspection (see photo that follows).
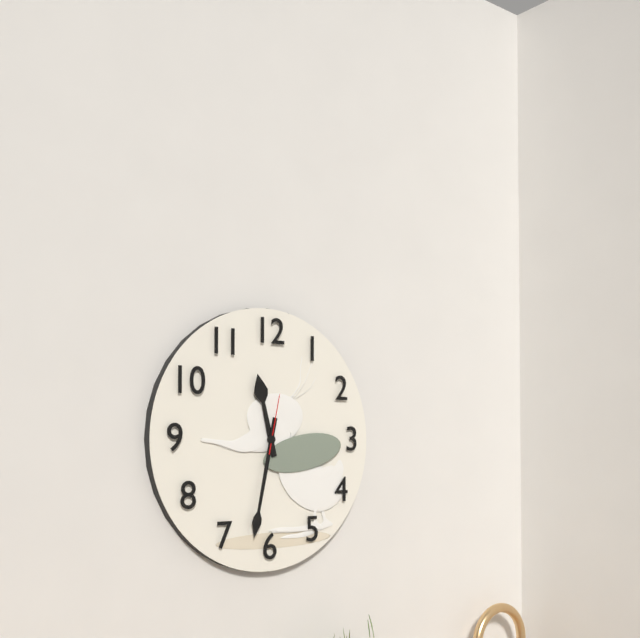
11:32:02
